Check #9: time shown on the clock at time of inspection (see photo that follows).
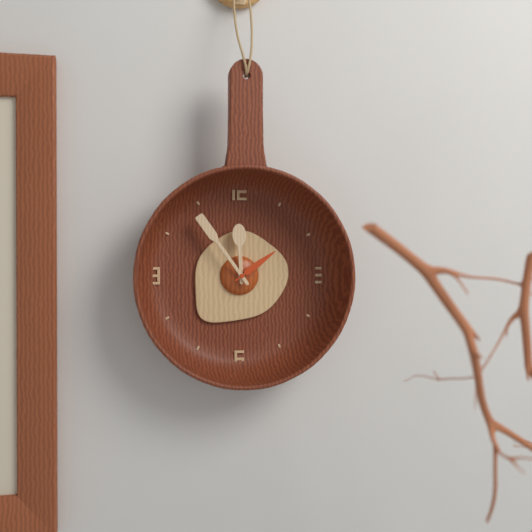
11:54:09
